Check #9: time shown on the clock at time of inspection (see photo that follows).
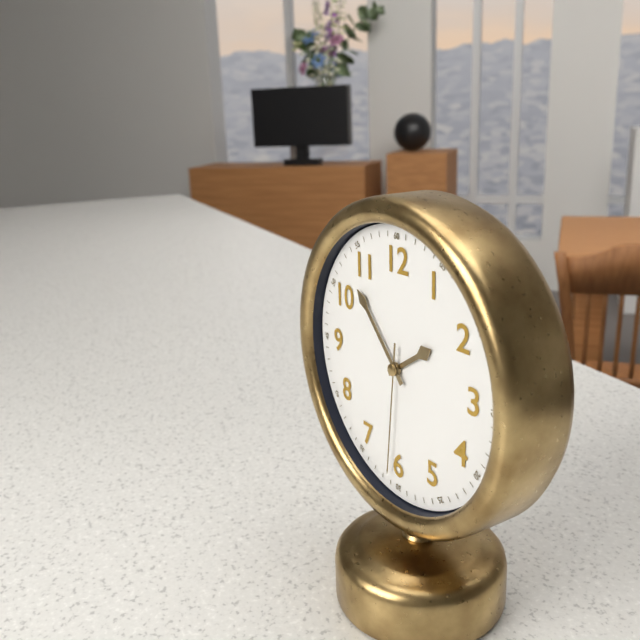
1:53:31
